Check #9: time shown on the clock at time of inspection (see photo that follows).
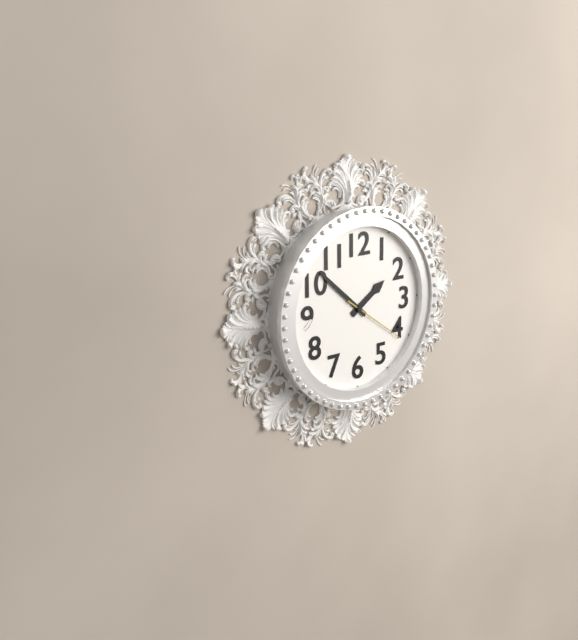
1:52:21
